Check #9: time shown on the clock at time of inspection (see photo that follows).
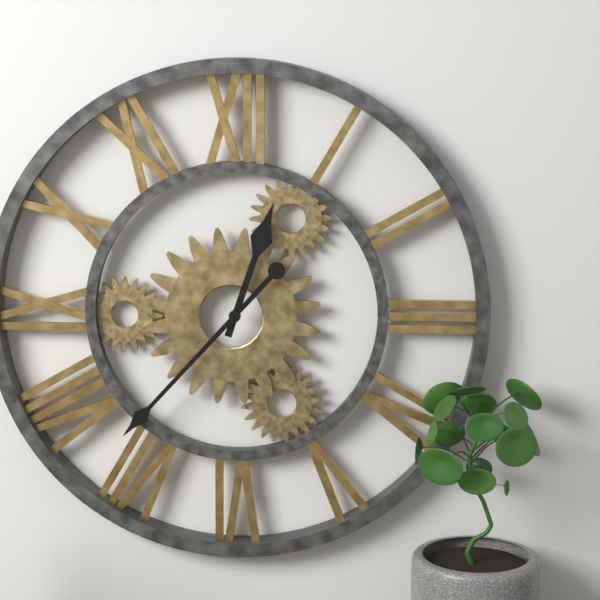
12:37
